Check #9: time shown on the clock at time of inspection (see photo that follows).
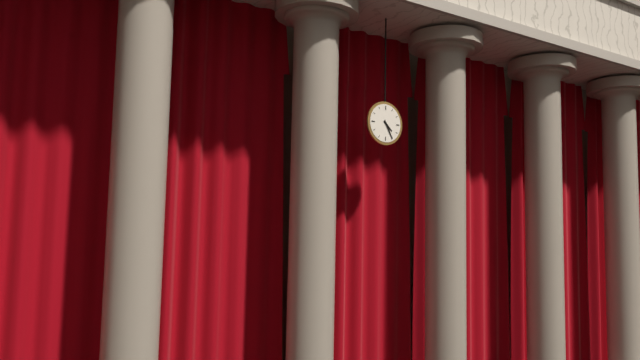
4:25
